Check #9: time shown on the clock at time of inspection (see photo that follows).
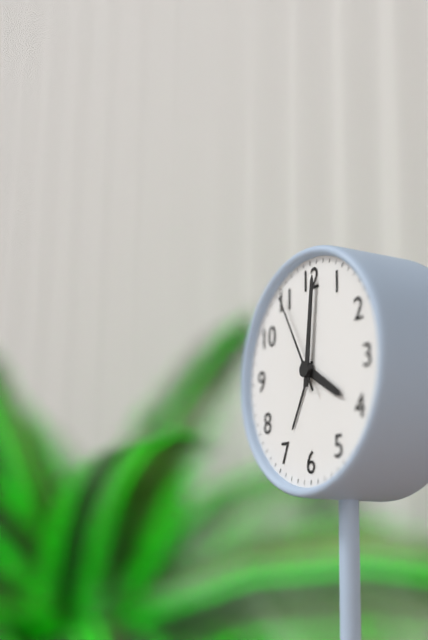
4:01:55
